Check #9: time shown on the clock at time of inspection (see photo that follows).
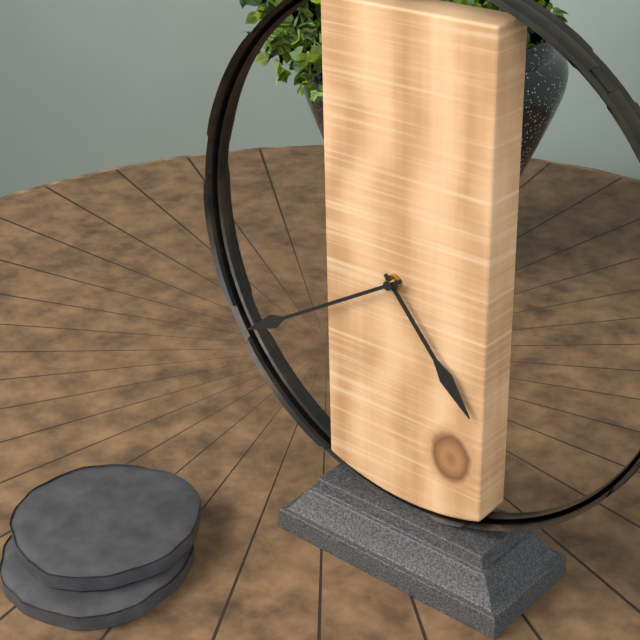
4:40
